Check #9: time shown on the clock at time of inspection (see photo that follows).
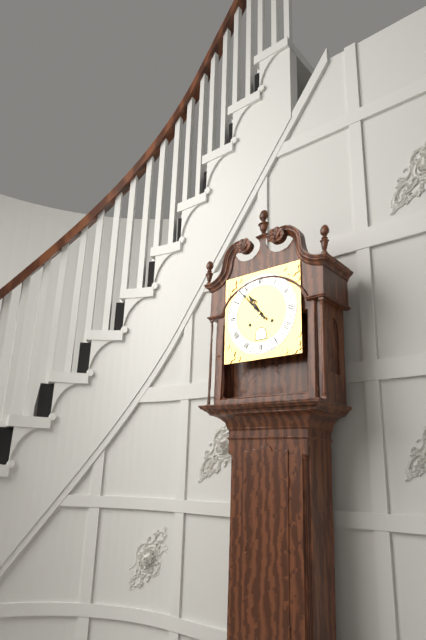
10:53
